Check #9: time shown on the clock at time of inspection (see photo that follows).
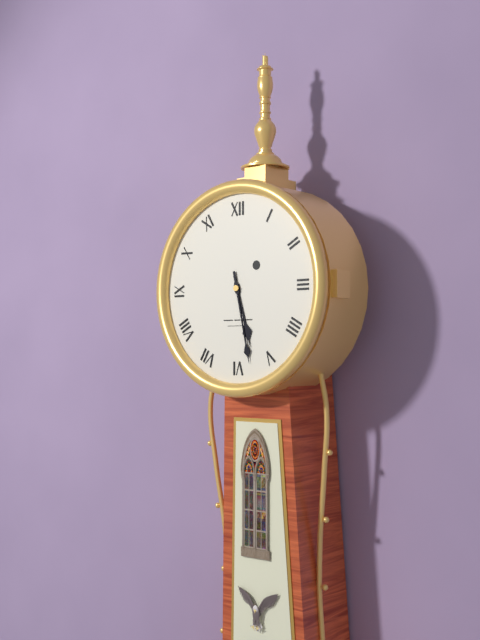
5:28
